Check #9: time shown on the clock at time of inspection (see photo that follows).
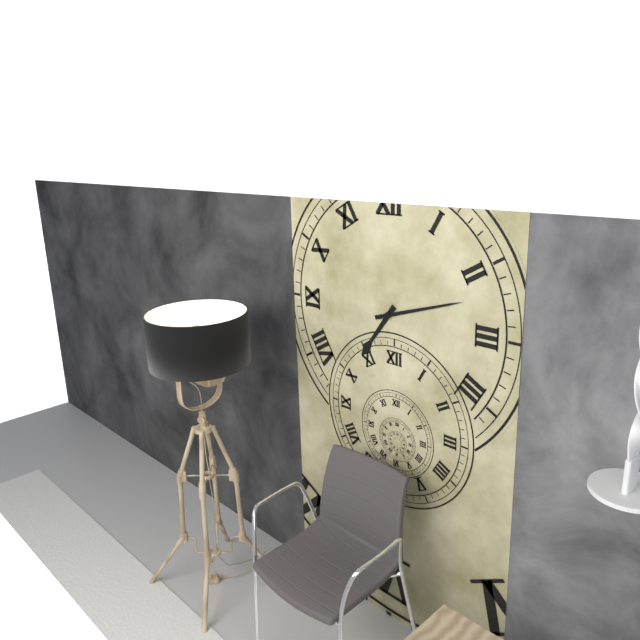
7:12
